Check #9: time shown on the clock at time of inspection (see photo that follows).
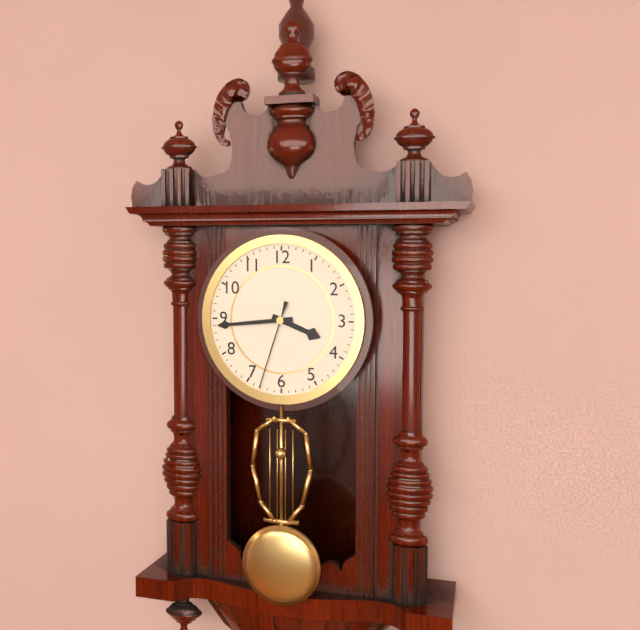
3:44:33
